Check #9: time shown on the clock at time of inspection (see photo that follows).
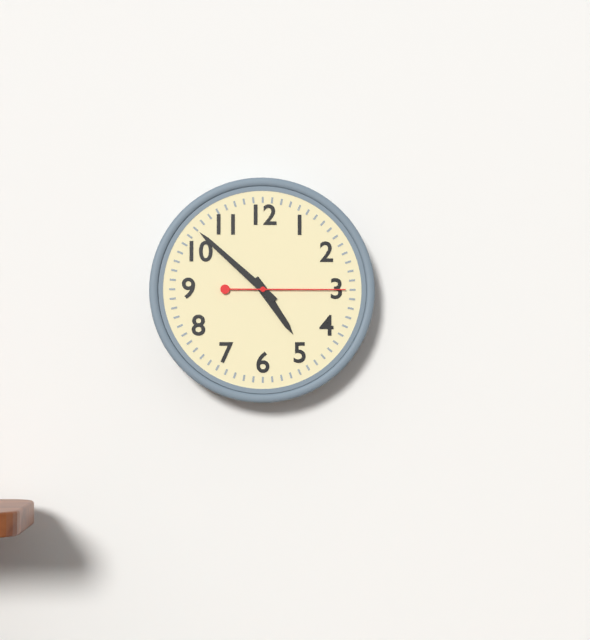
4:52:15
